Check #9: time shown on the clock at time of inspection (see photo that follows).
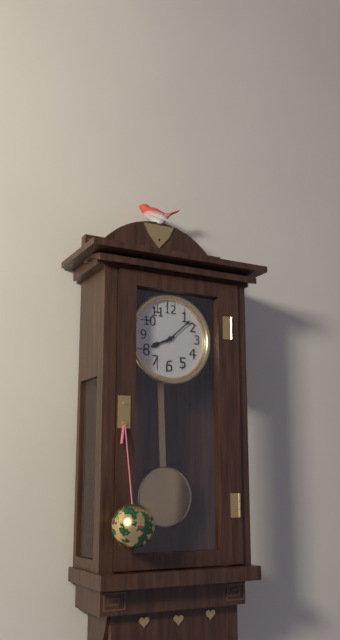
8:08
